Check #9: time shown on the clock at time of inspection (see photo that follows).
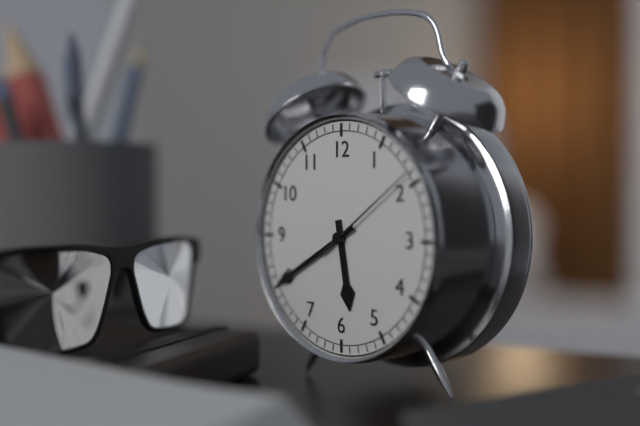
5:40:09
